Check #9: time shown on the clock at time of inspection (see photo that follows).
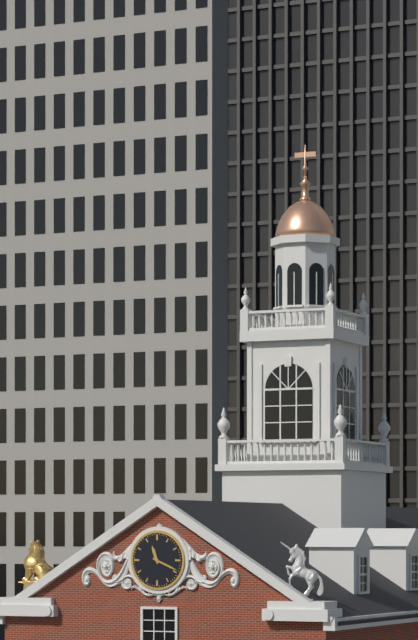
11:19
